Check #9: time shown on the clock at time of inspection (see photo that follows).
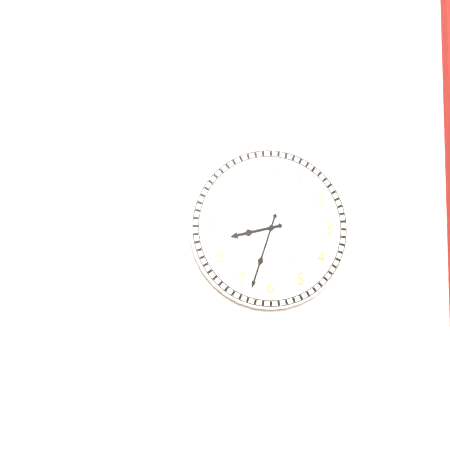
8:33
